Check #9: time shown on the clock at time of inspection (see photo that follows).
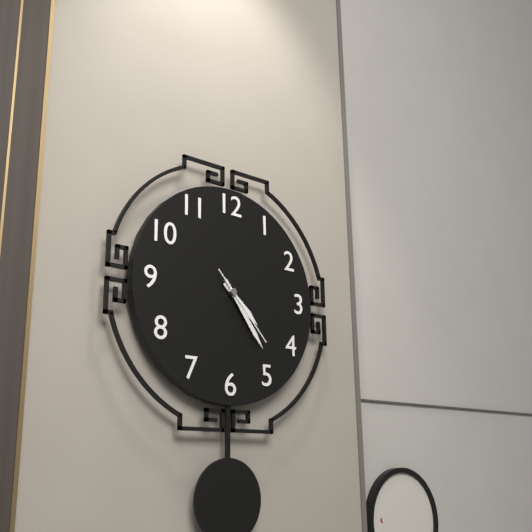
4:24:23
